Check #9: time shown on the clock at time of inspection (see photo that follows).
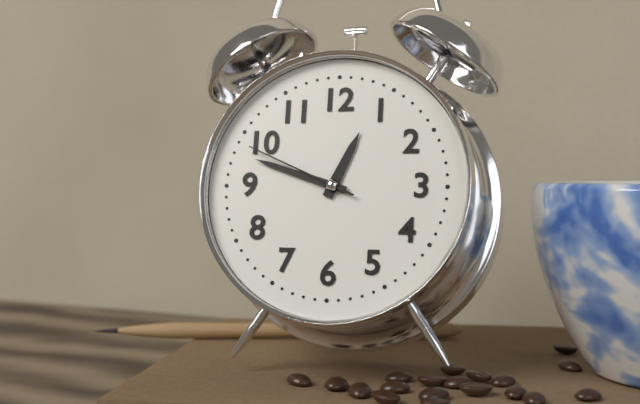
12:48:49
